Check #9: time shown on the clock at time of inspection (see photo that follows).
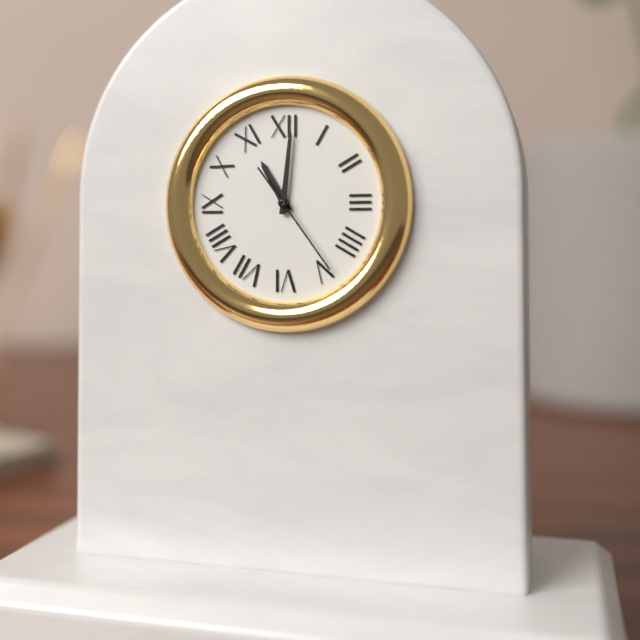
11:01:24
